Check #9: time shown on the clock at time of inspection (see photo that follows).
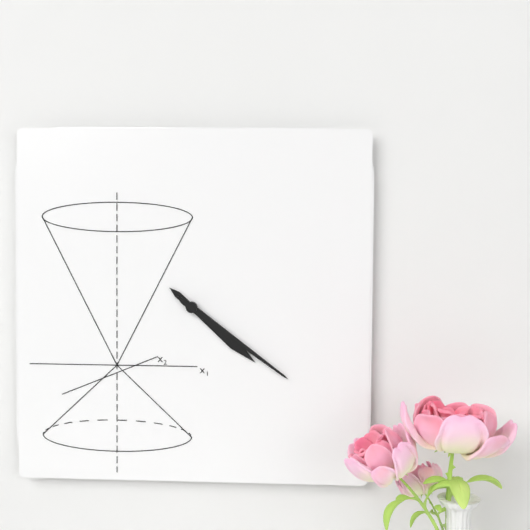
4:21
